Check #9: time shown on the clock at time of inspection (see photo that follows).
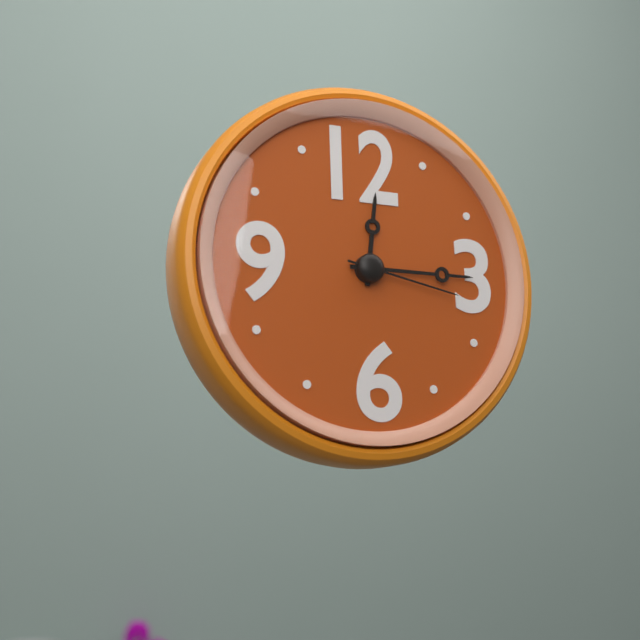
12:15:17
